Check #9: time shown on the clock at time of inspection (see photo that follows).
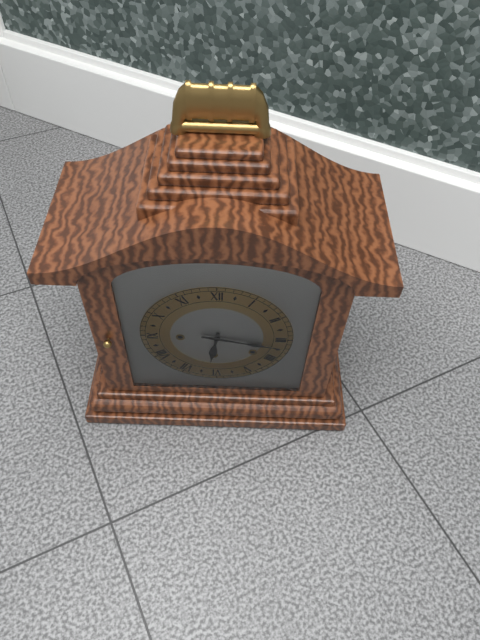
6:17
